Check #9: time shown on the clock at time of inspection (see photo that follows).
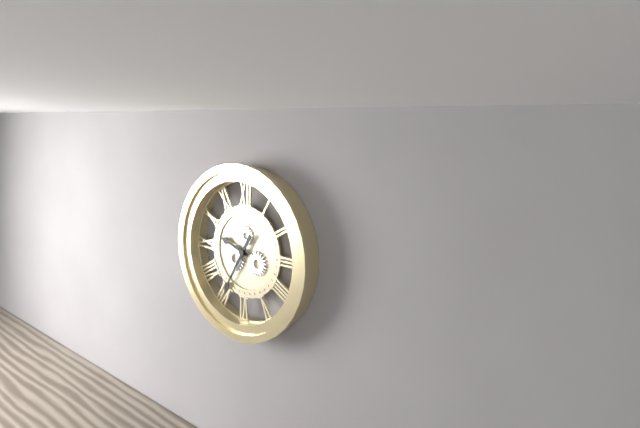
9:35
